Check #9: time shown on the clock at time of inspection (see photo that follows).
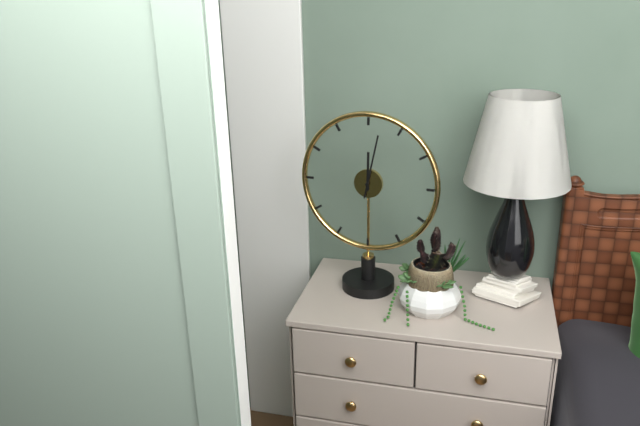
12:02
